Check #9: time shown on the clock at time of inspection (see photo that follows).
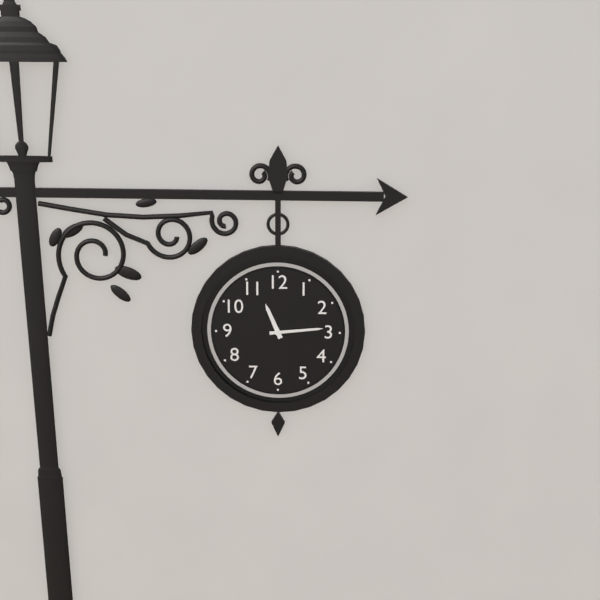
11:14
